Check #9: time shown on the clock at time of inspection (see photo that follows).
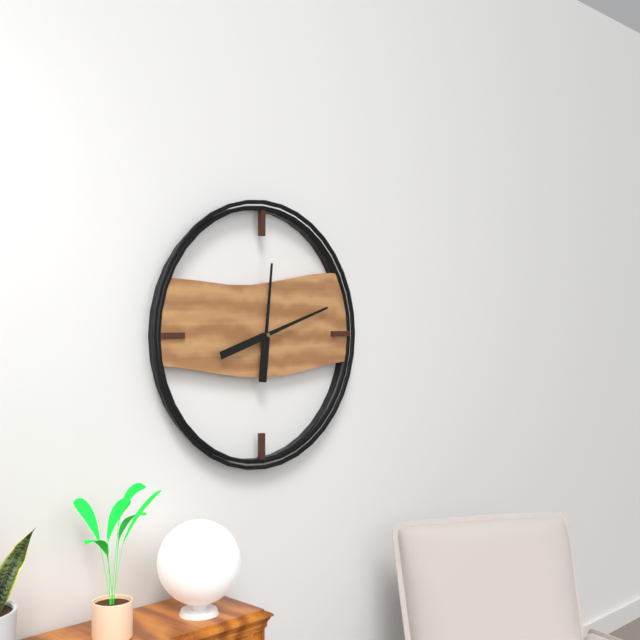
12:12
